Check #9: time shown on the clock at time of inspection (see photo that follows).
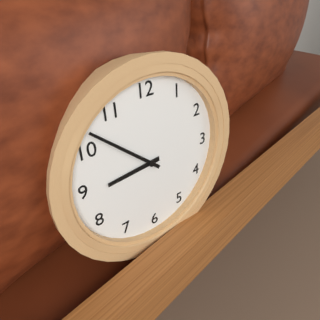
8:52
